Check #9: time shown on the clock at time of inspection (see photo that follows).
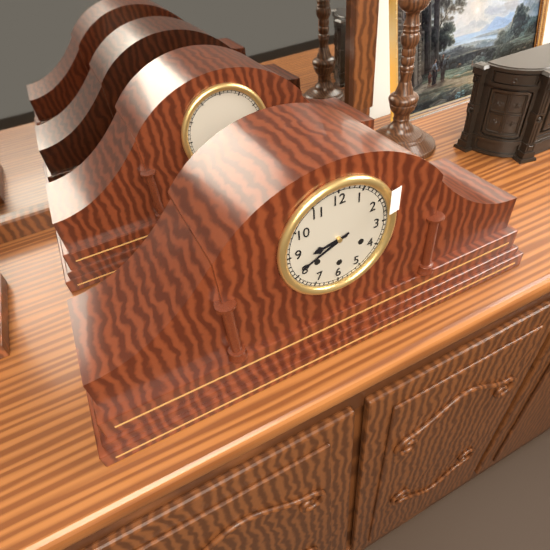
8:41
